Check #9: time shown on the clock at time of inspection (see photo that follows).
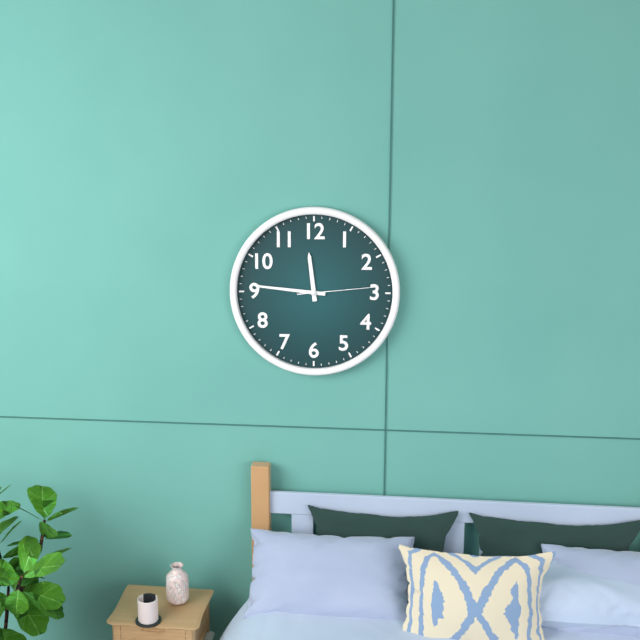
11:46:14
